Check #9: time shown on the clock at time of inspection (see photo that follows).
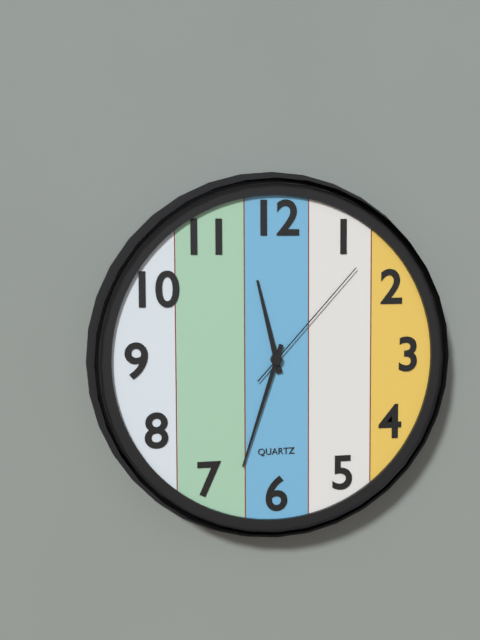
11:33:07
